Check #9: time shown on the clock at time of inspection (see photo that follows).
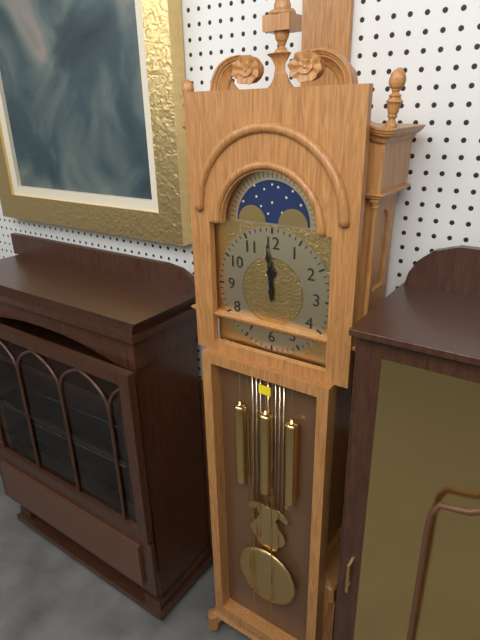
11:59
